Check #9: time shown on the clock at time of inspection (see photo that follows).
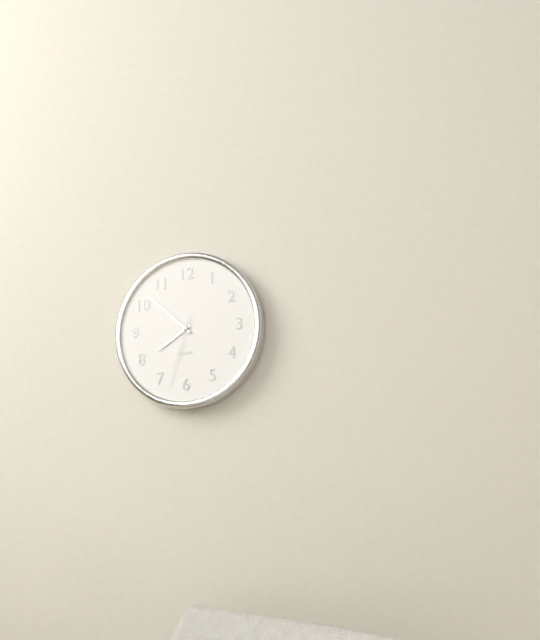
7:52:33
